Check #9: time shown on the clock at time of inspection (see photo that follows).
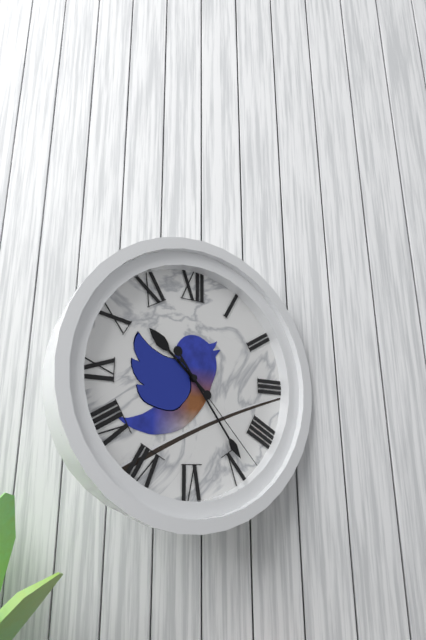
10:24:23
